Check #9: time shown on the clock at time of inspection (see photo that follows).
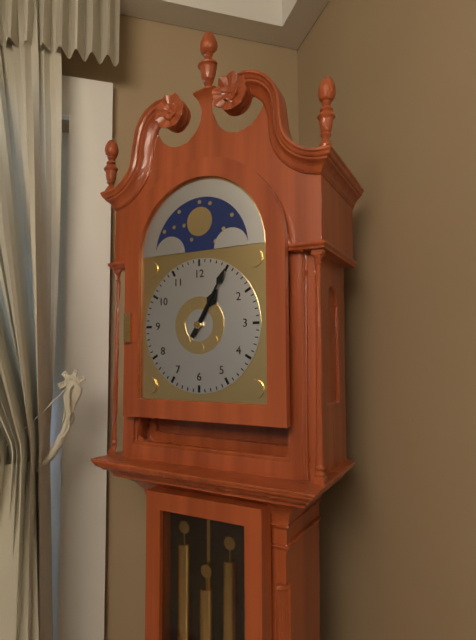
1:05
